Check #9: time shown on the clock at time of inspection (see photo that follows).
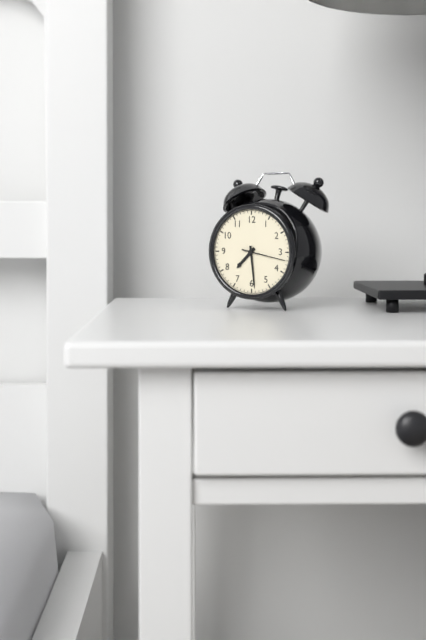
7:29
